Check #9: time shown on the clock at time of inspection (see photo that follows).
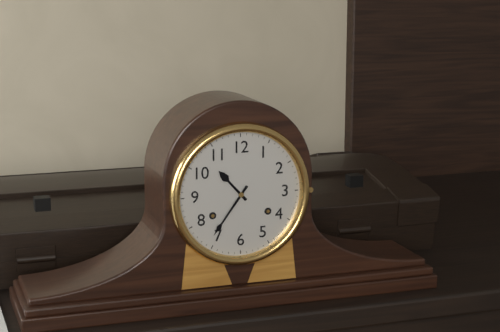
10:36
